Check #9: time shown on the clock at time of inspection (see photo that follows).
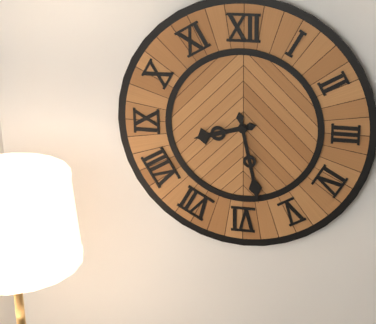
8:28
